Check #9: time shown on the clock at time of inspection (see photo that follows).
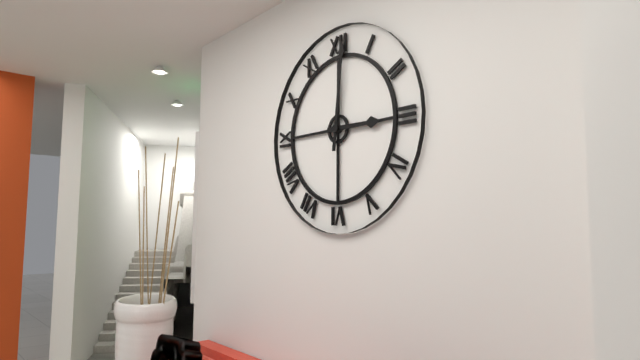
3:01
